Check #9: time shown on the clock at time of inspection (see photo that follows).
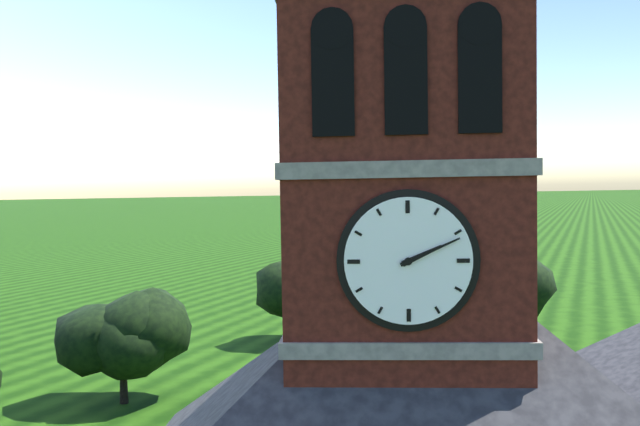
2:11
